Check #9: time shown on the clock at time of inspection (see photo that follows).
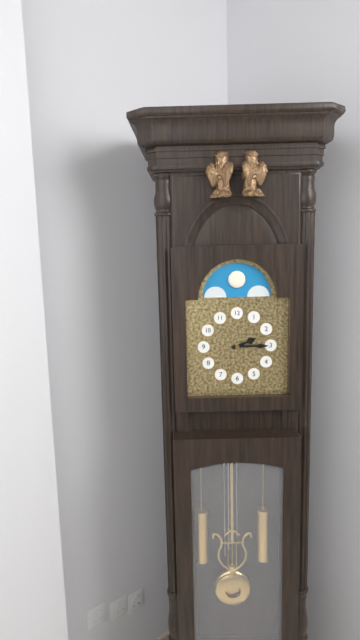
2:15
